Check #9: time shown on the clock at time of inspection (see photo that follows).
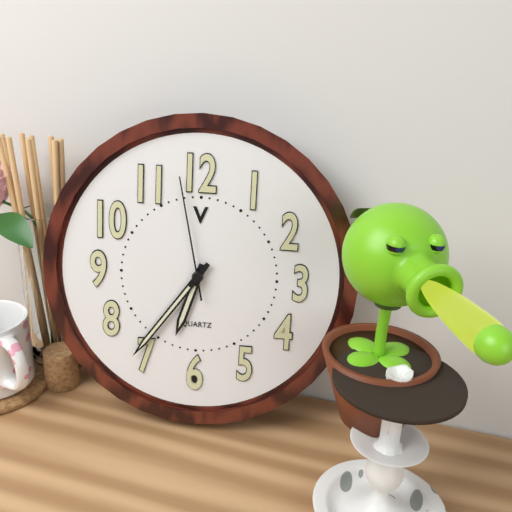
6:36:58
